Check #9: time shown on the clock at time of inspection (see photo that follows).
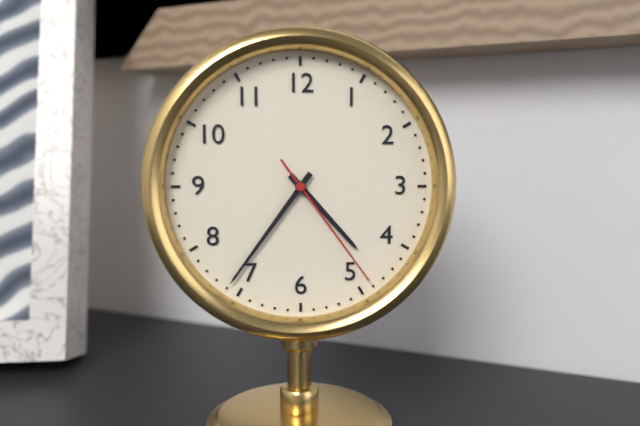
4:36:24
